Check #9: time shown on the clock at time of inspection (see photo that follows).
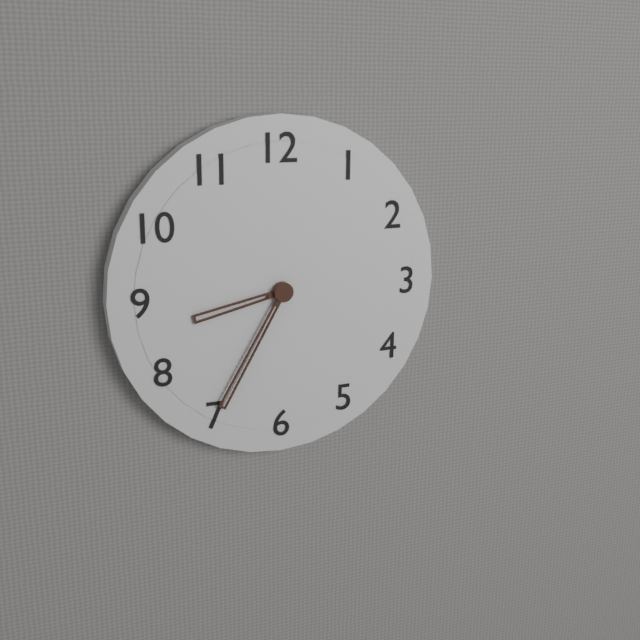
8:35
